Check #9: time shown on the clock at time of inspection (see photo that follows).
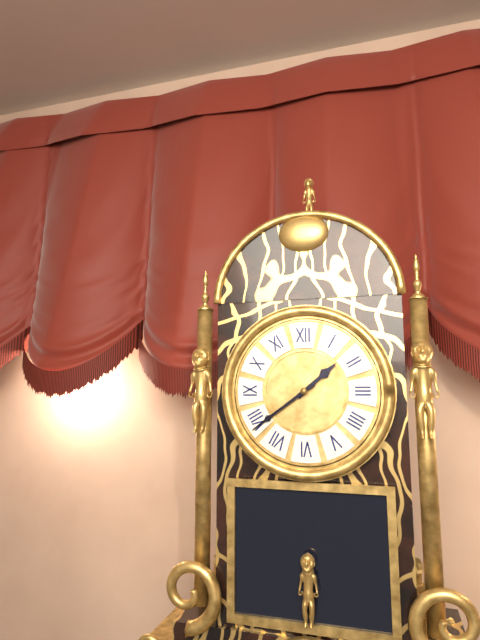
1:39
